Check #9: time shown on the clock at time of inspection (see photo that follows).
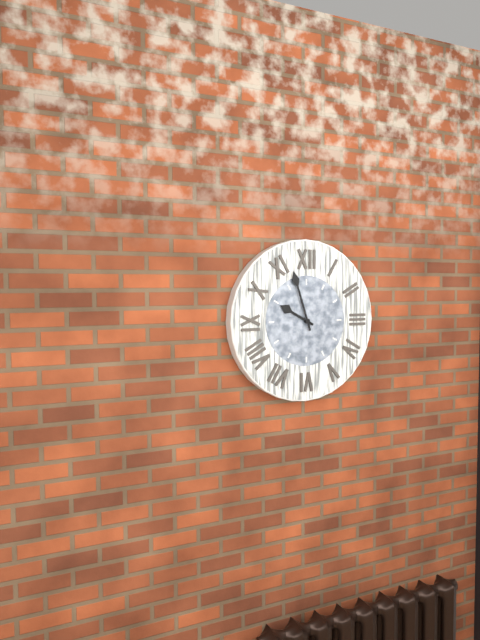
9:57
